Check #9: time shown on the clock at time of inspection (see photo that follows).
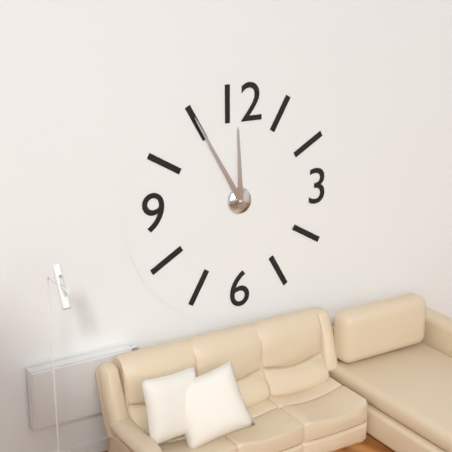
11:55
